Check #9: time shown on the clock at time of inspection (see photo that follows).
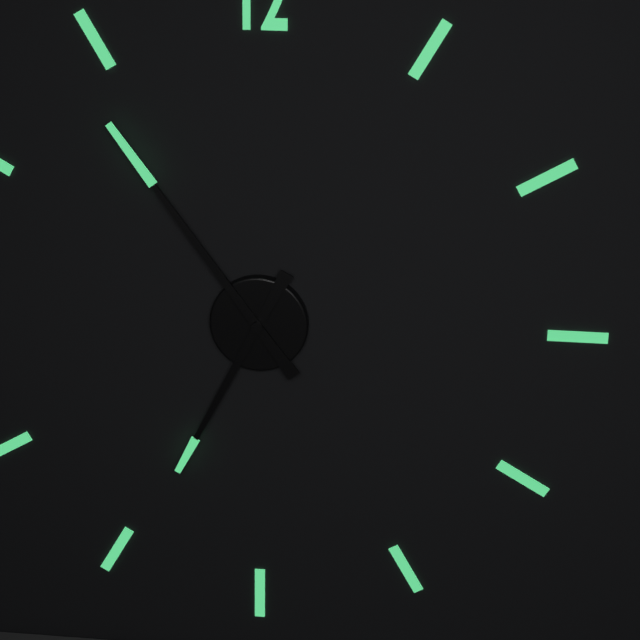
6:54
